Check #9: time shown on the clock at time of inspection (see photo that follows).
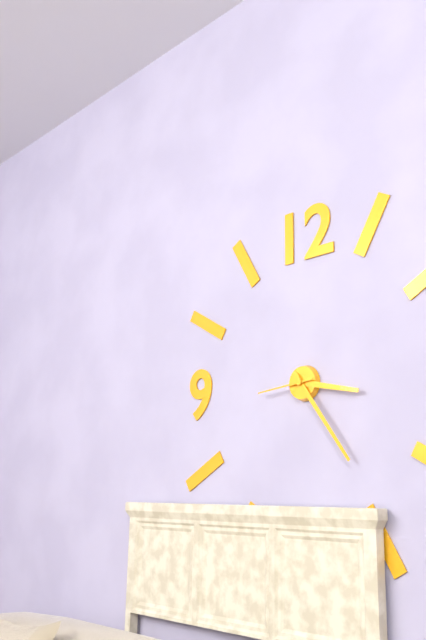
3:24:44
